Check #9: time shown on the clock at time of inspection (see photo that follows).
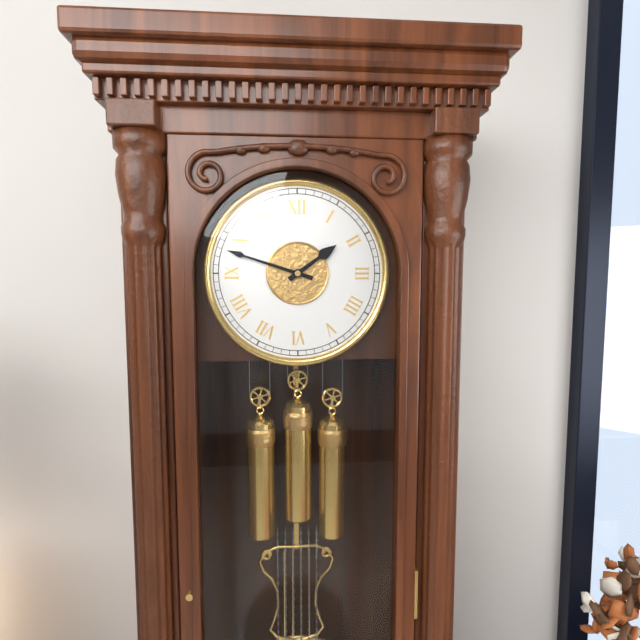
1:48
